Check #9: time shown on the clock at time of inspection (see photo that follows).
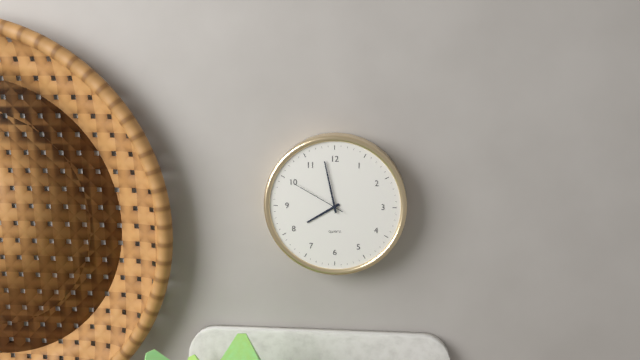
7:58:50
